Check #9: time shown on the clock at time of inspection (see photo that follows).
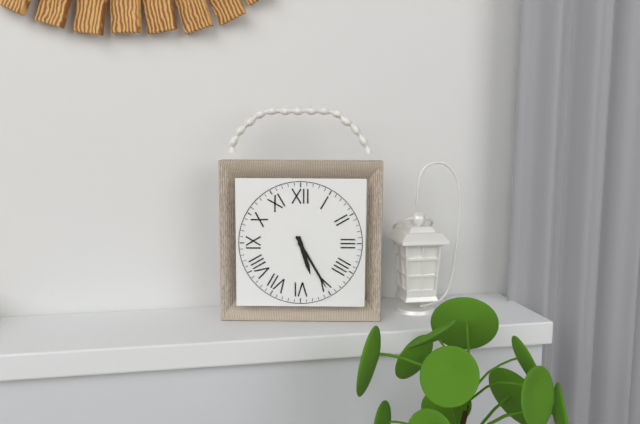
5:25
